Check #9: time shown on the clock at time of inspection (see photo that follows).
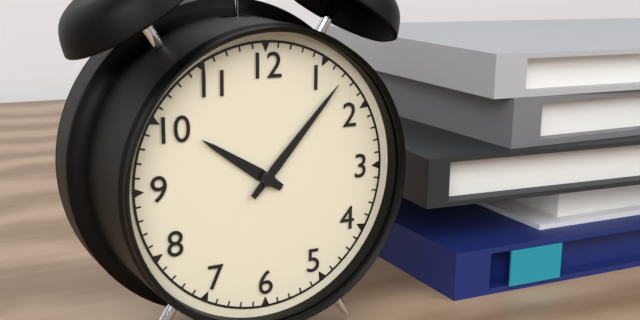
10:07
